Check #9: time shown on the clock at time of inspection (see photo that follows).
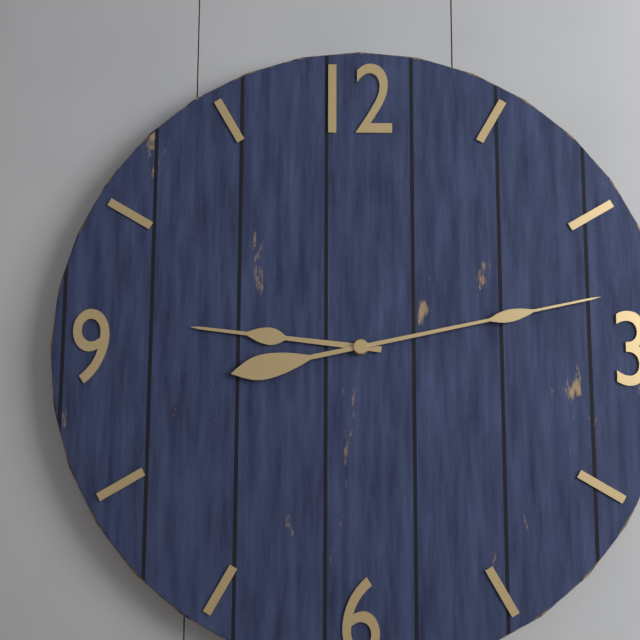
9:13
